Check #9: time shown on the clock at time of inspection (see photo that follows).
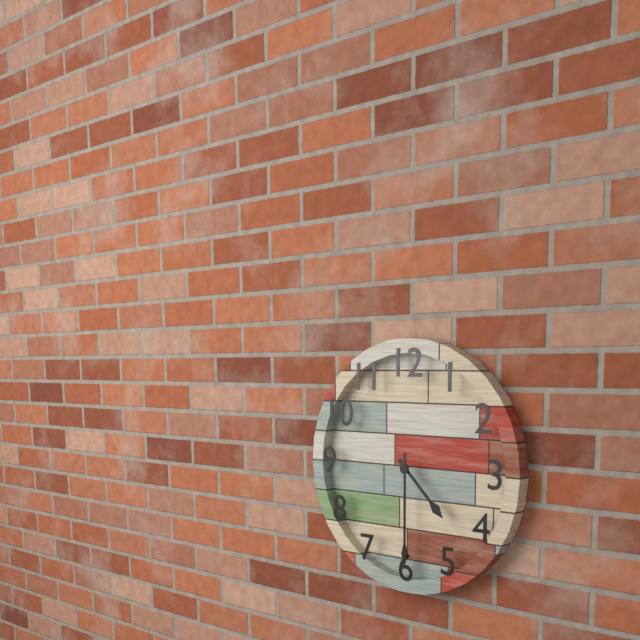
4:30
